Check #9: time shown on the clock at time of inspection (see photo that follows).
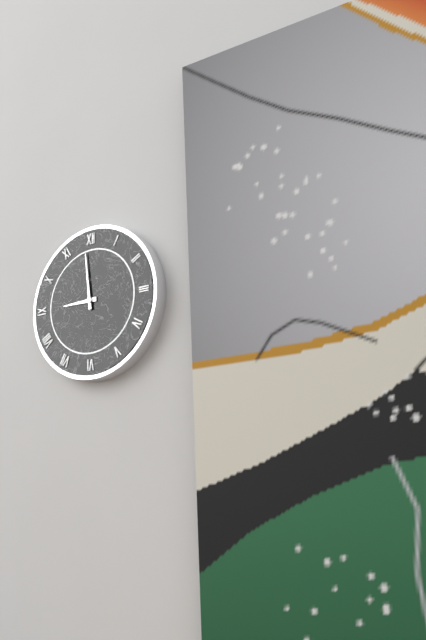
8:59
